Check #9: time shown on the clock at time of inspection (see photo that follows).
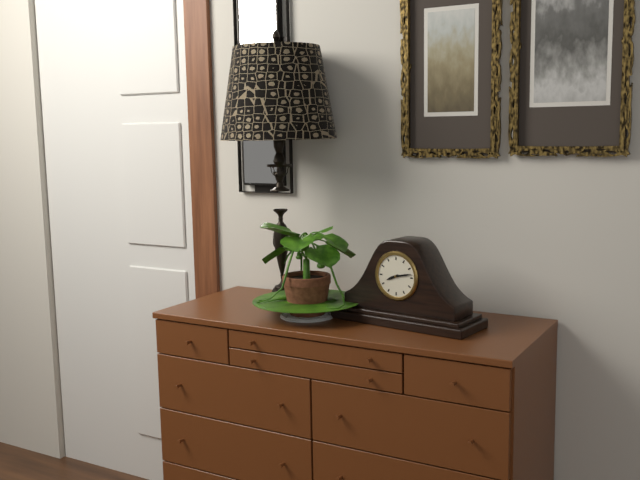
8:13
